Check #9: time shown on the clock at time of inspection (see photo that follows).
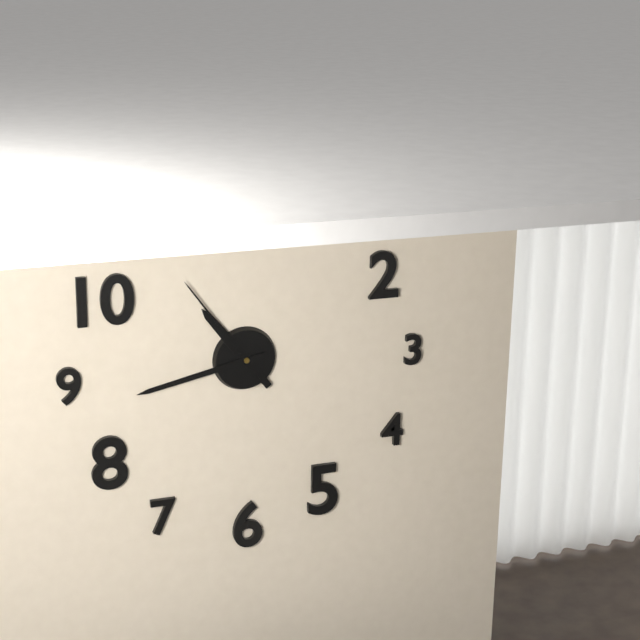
10:43:54
